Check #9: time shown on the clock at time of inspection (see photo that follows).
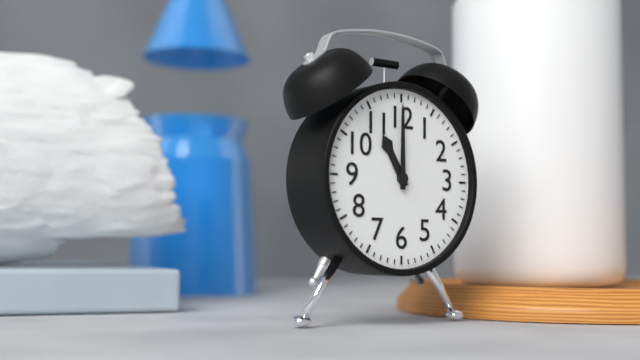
11:00
